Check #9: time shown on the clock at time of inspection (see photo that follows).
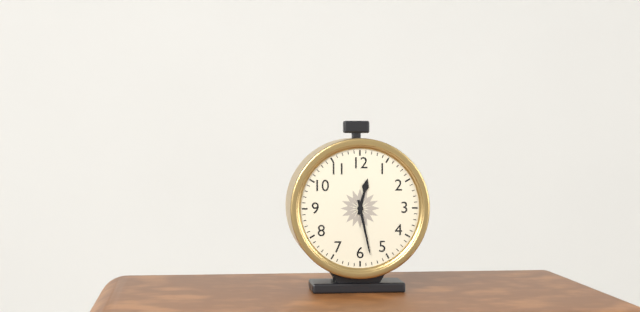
12:28
